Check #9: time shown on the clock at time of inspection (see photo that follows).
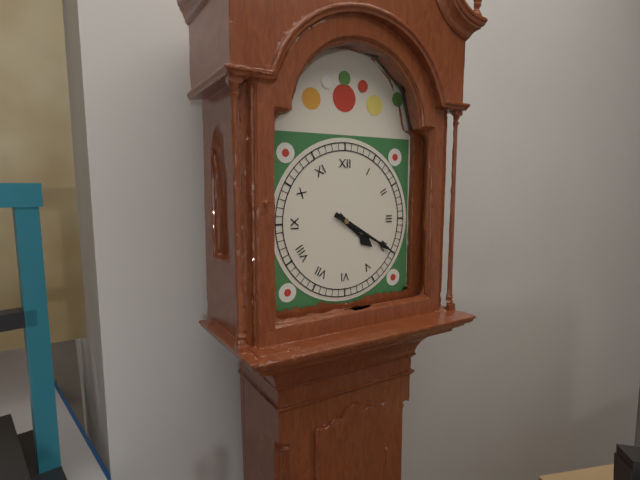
4:20
